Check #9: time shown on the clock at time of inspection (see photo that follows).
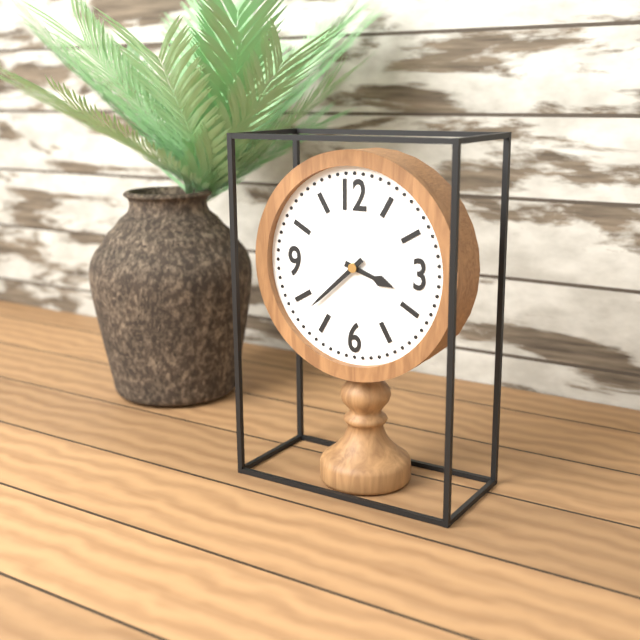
3:38
